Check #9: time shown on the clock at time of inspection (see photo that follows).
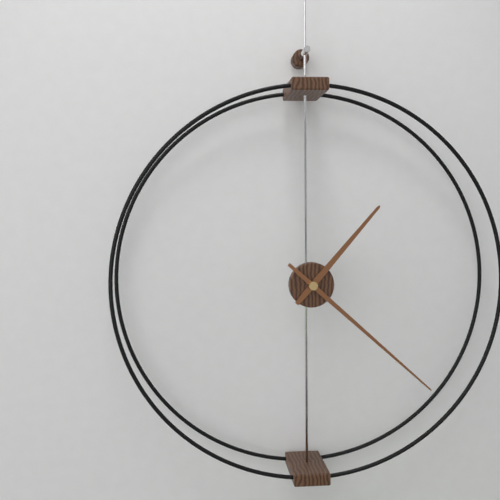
1:22
